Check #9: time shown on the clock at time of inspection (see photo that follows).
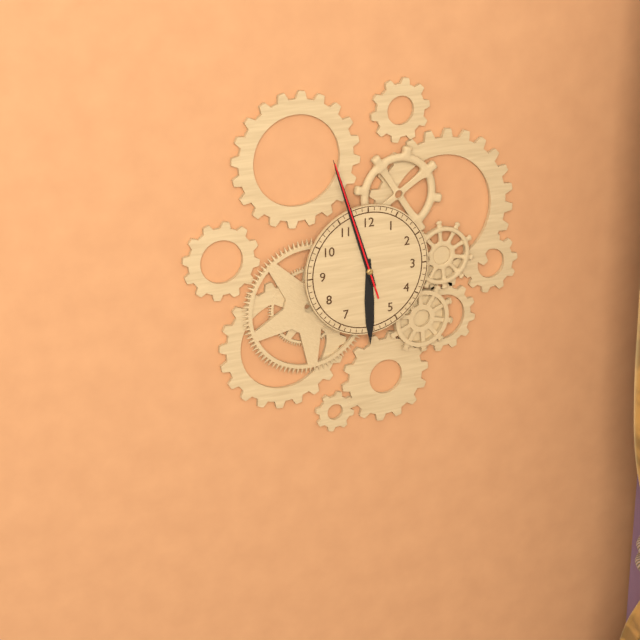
5:57:57
